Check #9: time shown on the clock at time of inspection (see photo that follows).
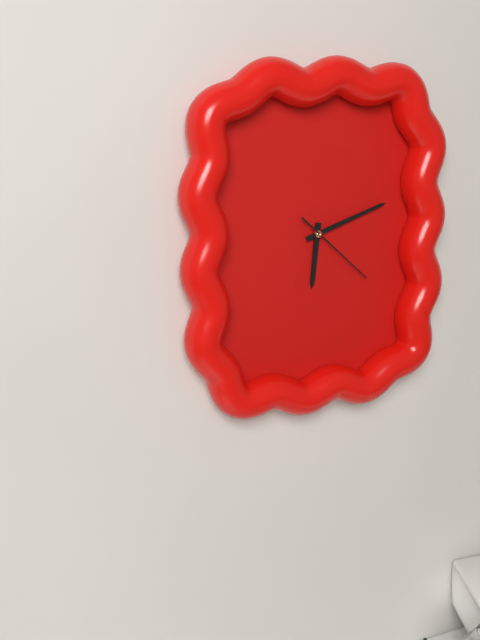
6:12:22
